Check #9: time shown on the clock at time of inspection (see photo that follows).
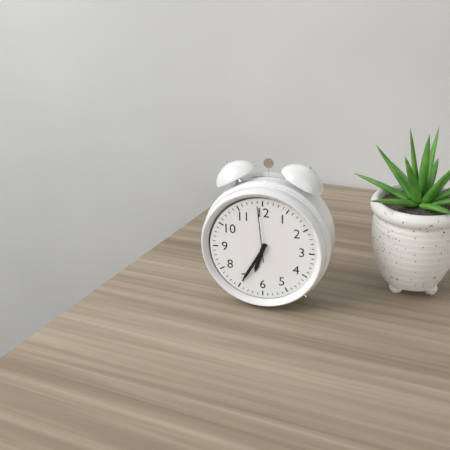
6:35:59
